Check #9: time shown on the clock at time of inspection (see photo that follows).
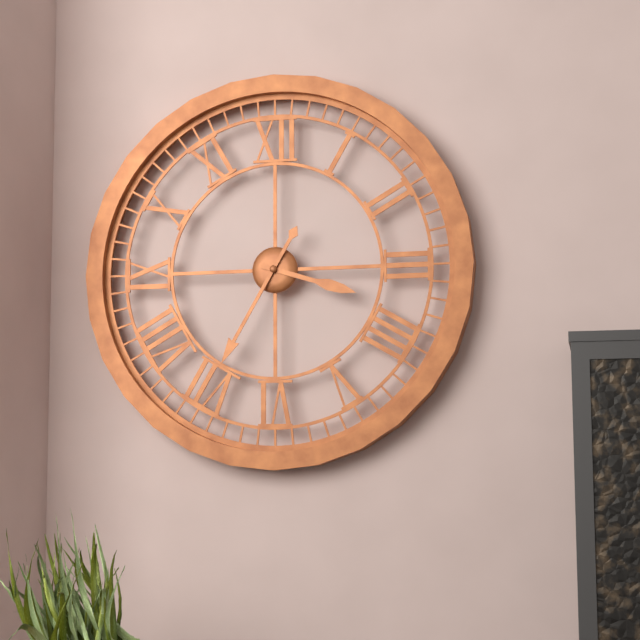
3:35
